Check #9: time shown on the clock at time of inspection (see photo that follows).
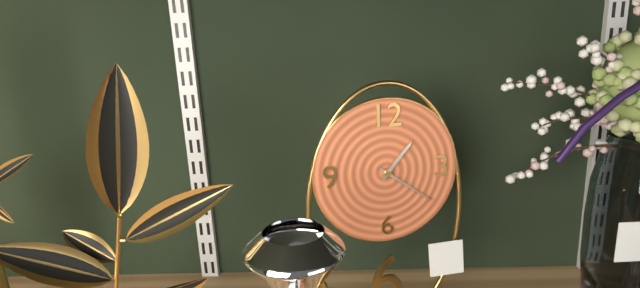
1:21
